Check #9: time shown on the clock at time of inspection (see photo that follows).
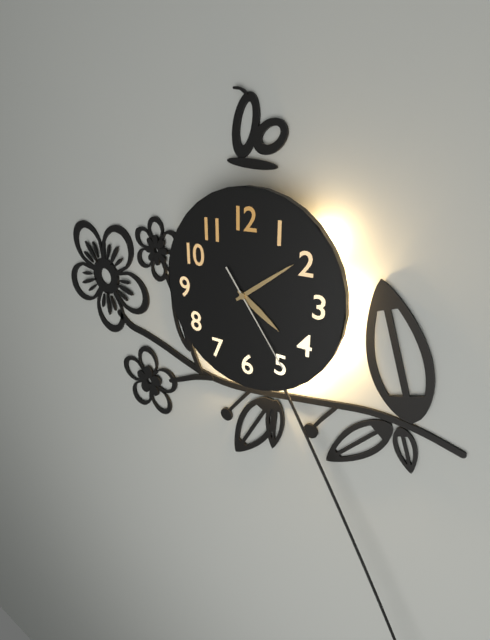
4:09:24
